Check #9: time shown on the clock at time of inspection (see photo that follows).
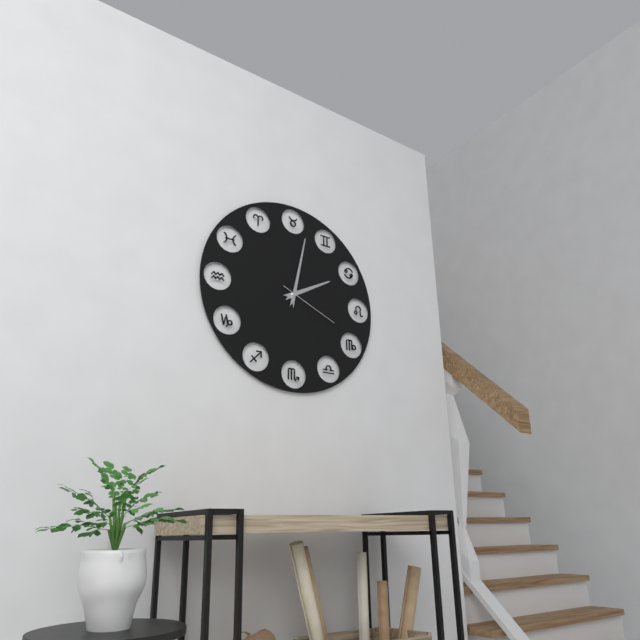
2:02:19
